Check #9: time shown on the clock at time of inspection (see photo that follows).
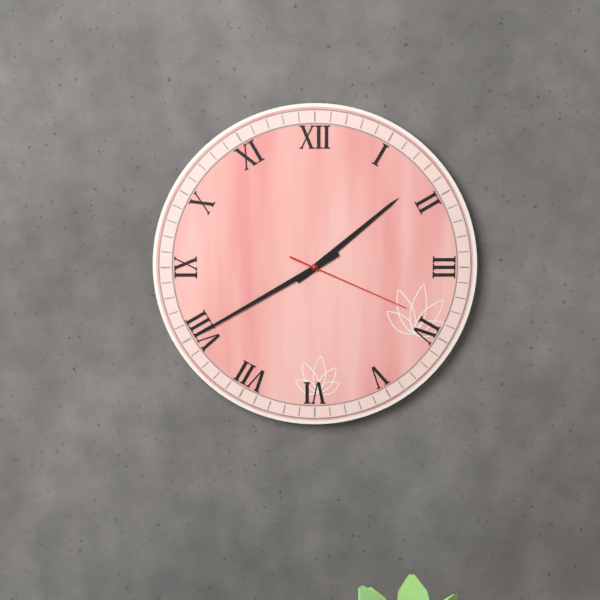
1:40:19
